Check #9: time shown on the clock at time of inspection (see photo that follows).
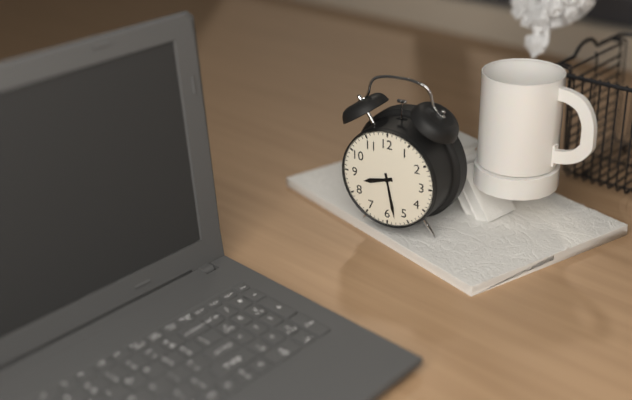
8:28
